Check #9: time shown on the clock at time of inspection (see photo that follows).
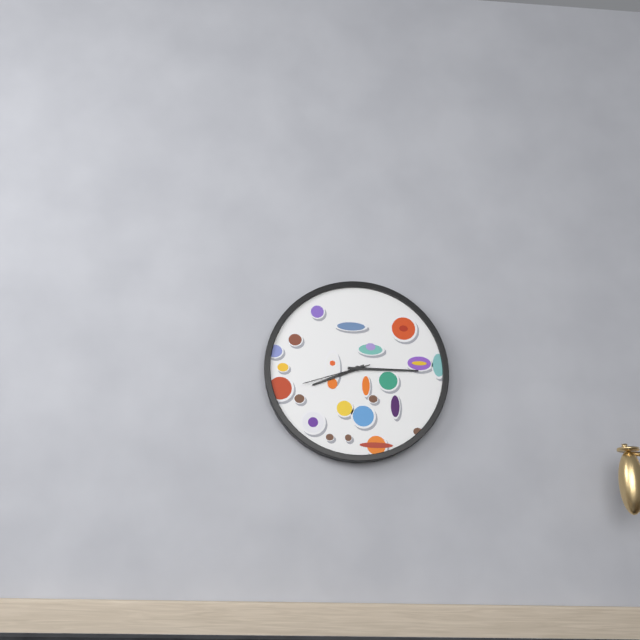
8:15:42
